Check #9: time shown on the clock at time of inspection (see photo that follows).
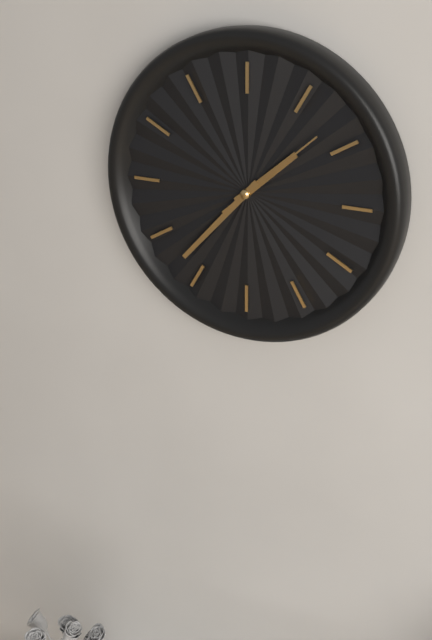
1:37:08
